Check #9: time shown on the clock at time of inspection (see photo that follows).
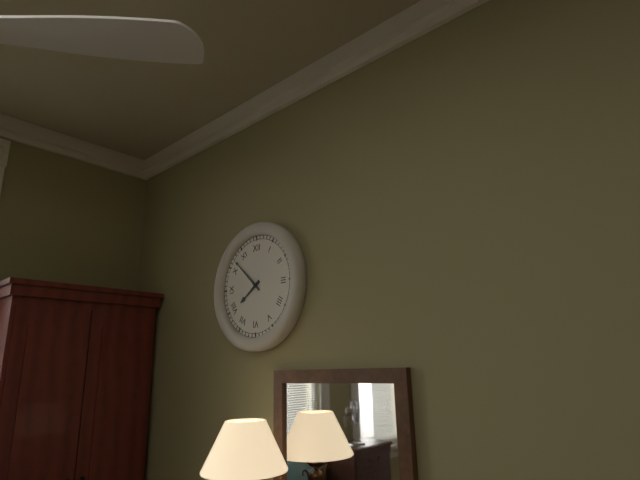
7:52
